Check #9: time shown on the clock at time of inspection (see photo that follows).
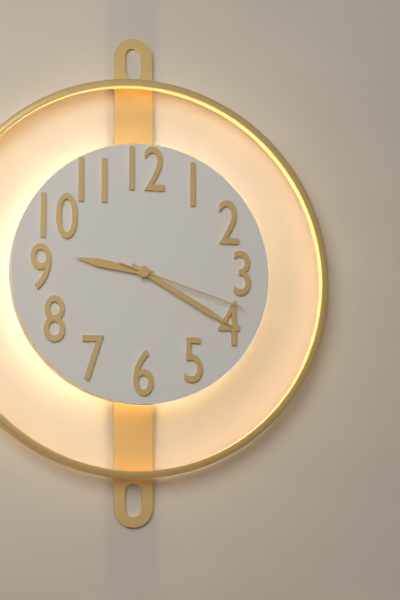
9:20:18
